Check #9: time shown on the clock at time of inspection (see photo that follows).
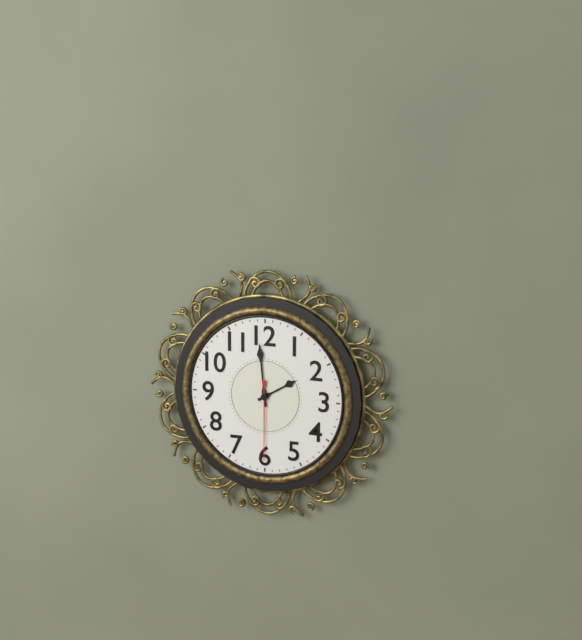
1:59:30
